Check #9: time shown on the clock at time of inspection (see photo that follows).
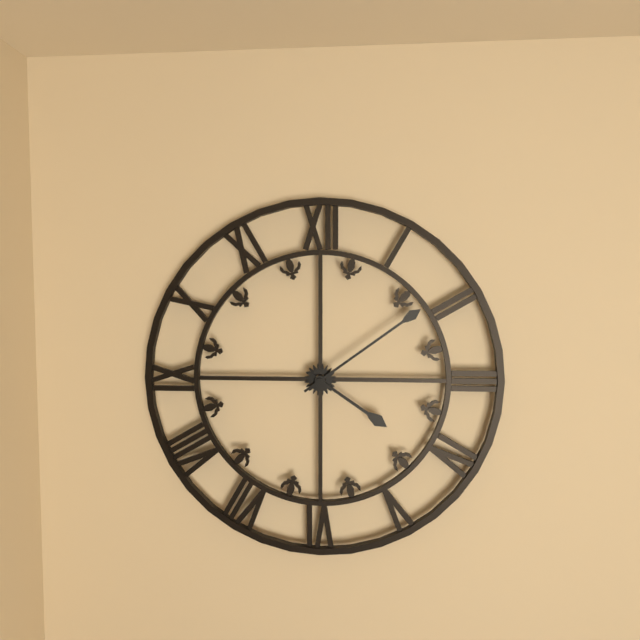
4:09
